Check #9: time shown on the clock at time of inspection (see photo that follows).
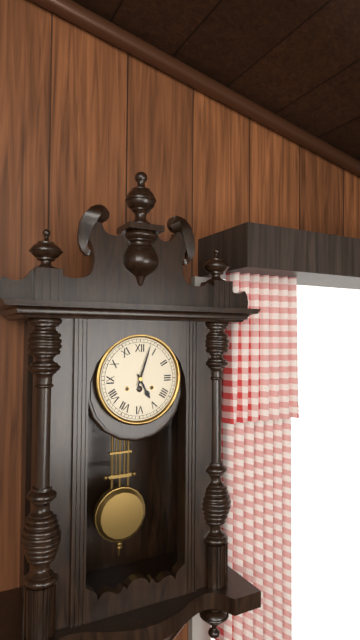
5:03
